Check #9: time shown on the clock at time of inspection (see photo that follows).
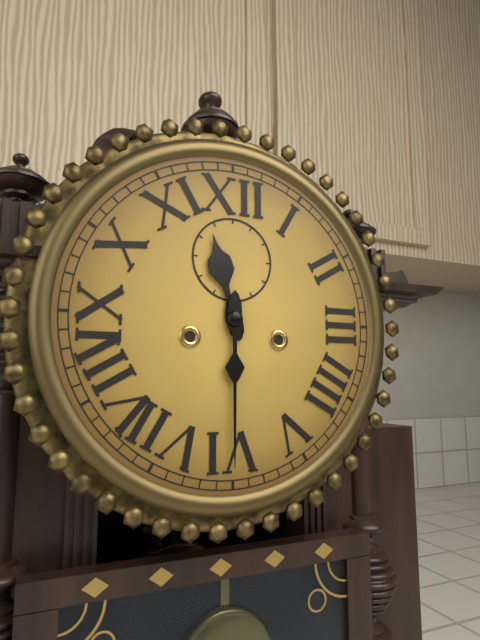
11:30
